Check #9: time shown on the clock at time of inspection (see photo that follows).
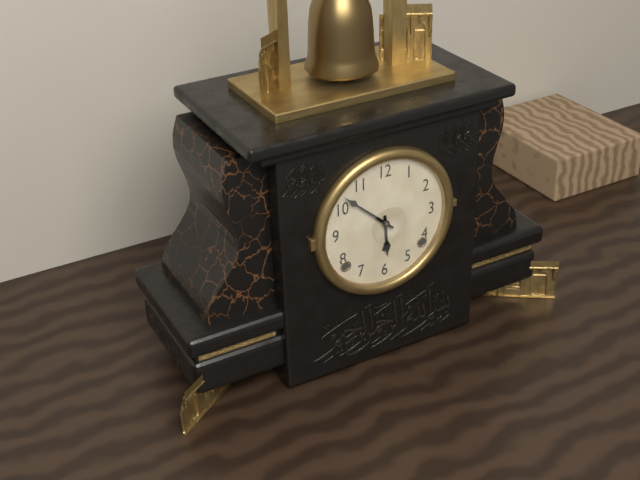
5:52
